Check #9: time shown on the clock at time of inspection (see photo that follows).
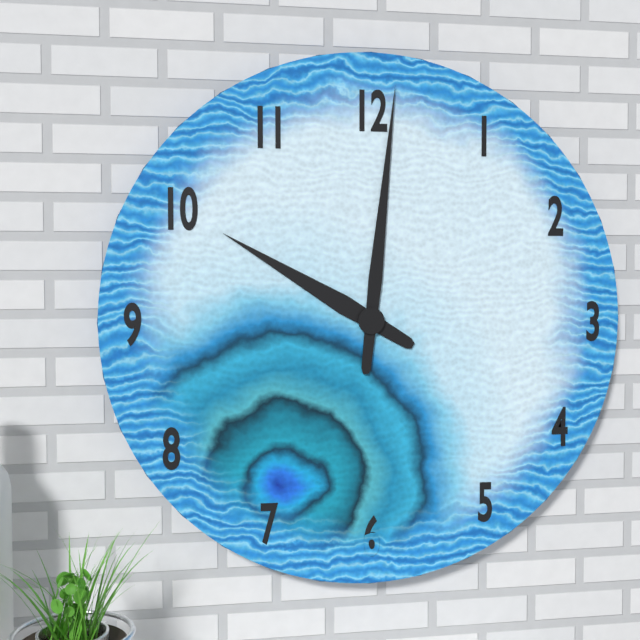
10:01
